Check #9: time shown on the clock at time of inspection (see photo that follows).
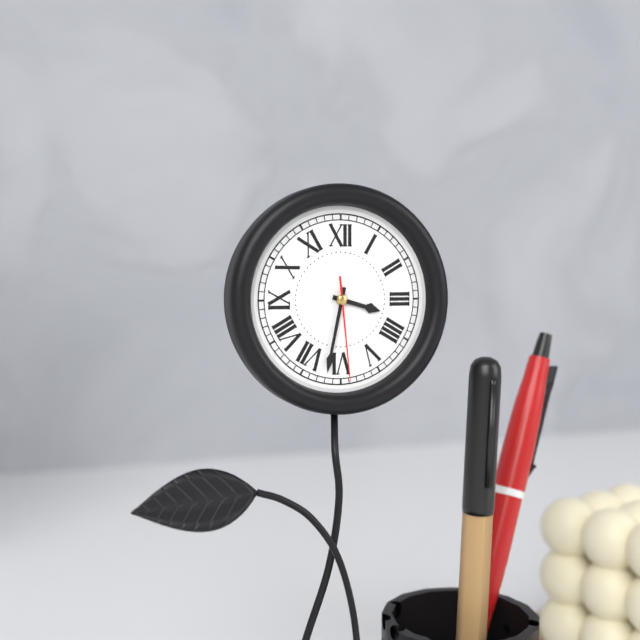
3:32:29
